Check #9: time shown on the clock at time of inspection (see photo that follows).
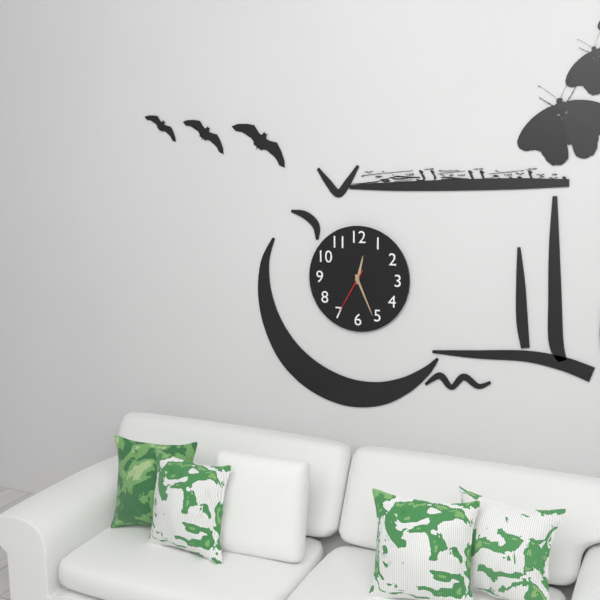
12:26
